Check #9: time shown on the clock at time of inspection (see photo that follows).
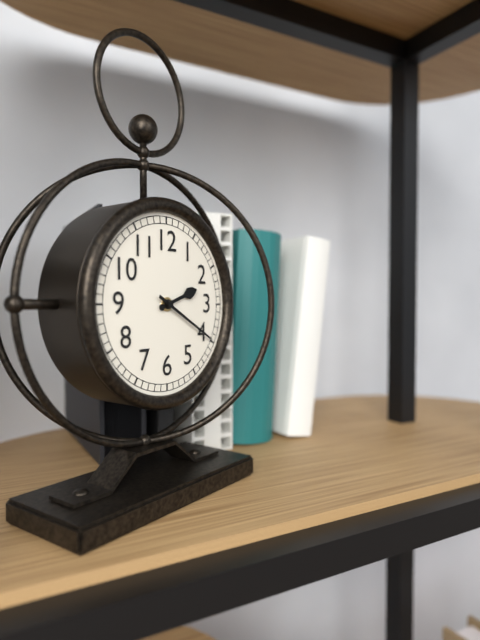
2:20
